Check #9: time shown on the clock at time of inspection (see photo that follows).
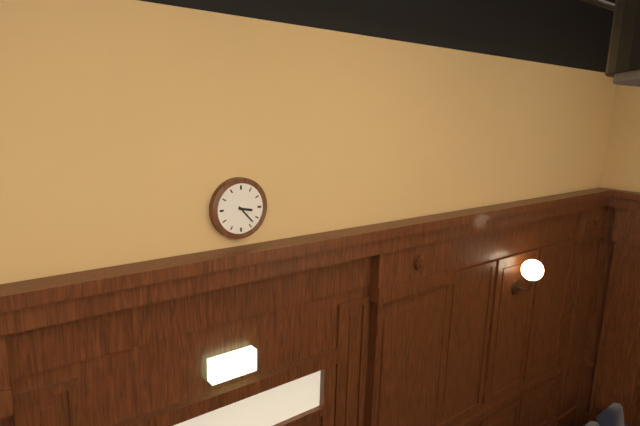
3:23
